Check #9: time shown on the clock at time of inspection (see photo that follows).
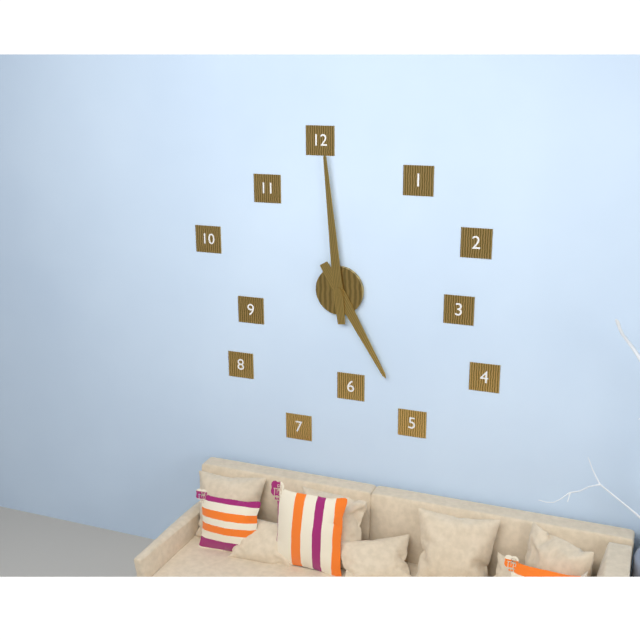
4:59
